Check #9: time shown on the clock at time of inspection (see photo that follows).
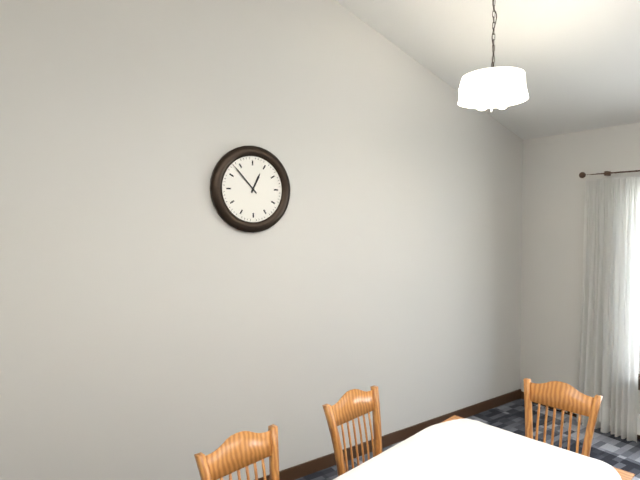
12:53
